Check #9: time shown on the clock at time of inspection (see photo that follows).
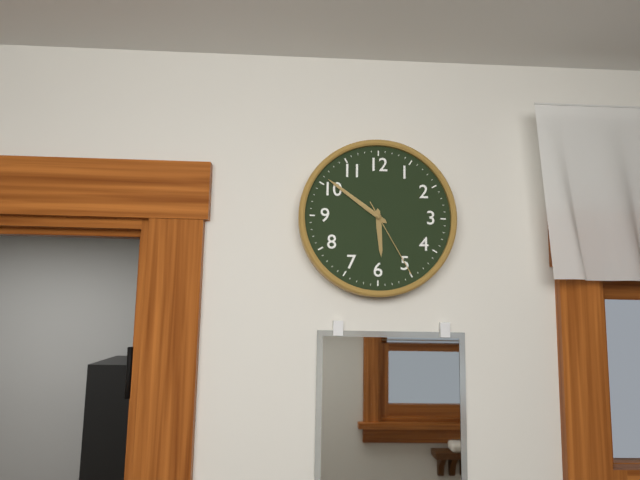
5:51:25
